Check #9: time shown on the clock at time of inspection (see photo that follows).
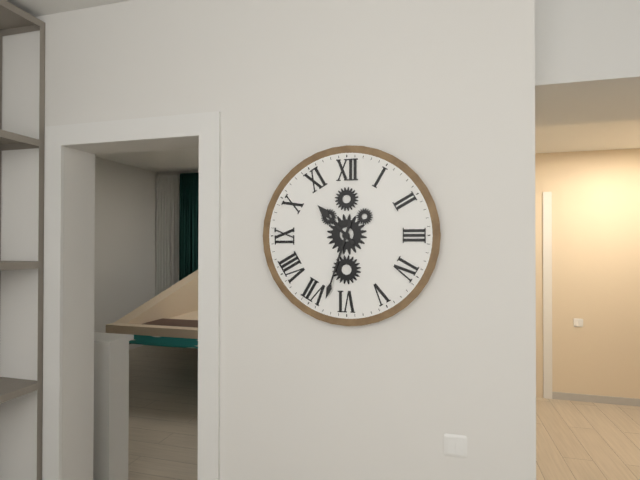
10:33
